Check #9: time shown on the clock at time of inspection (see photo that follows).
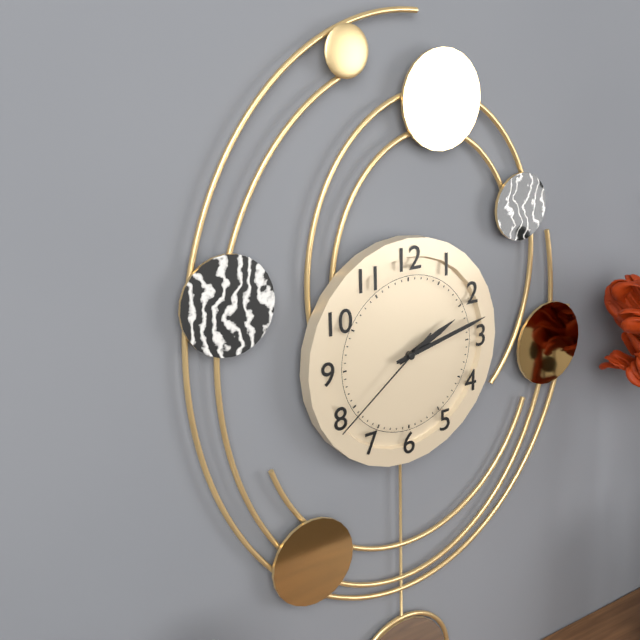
2:13:39
